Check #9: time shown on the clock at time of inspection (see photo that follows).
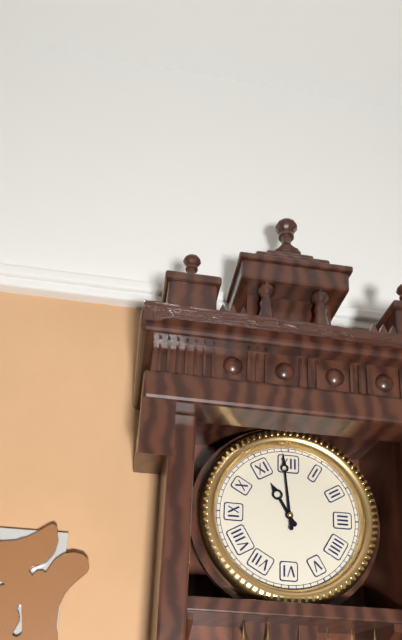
10:59
